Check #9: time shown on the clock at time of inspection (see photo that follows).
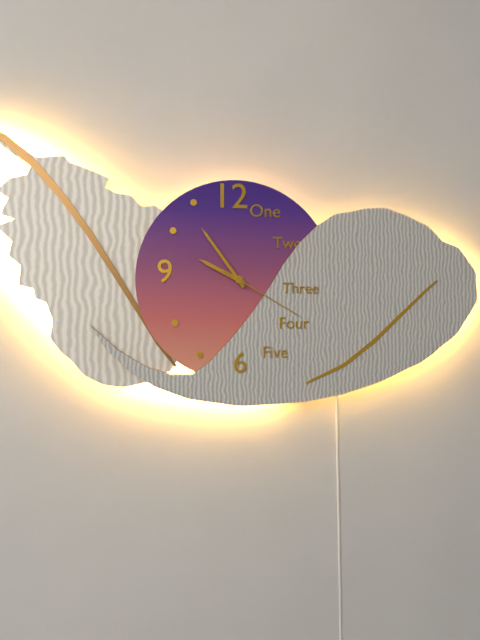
9:54:20
